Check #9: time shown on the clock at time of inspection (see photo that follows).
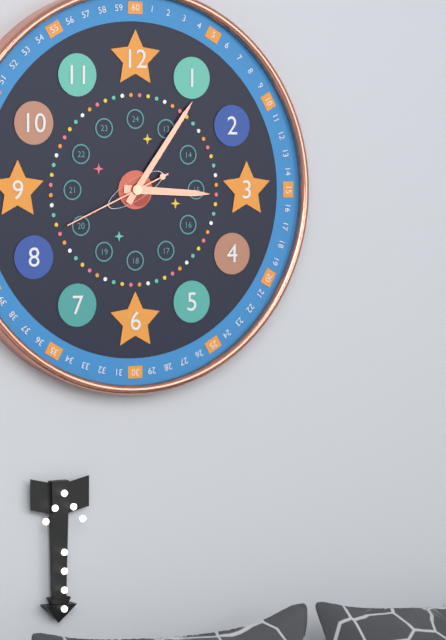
3:06:41
